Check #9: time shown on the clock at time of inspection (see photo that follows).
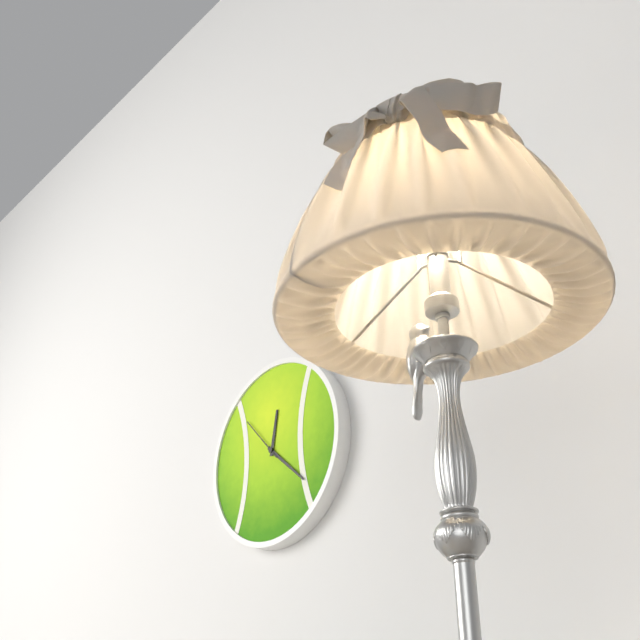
12:22
